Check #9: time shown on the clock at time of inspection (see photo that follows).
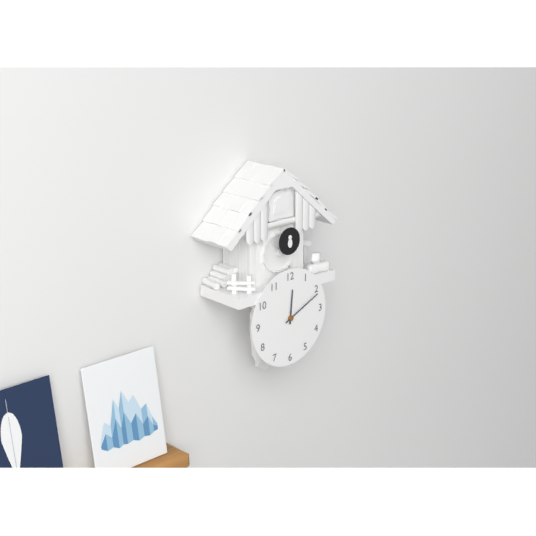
12:11
